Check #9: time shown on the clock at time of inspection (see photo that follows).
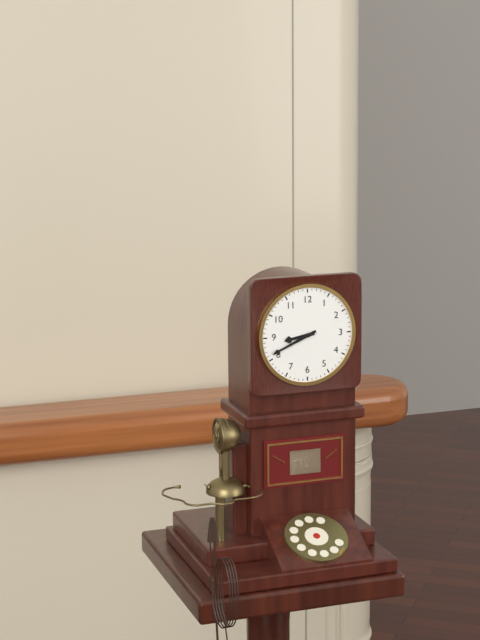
8:41
